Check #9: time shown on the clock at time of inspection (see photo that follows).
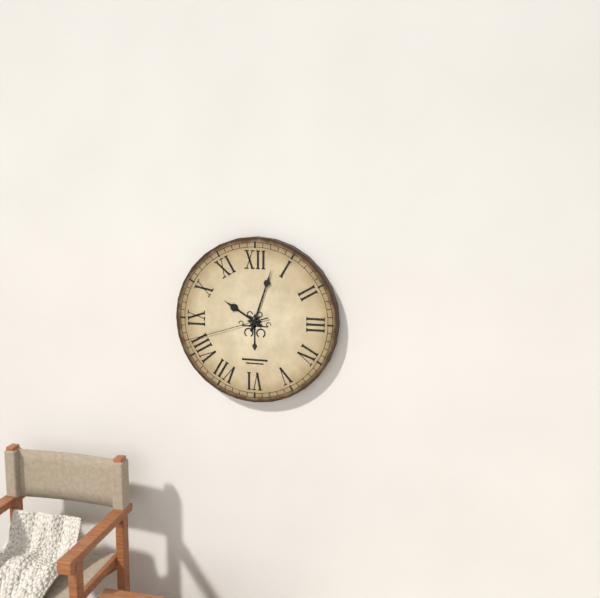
10:03:42
